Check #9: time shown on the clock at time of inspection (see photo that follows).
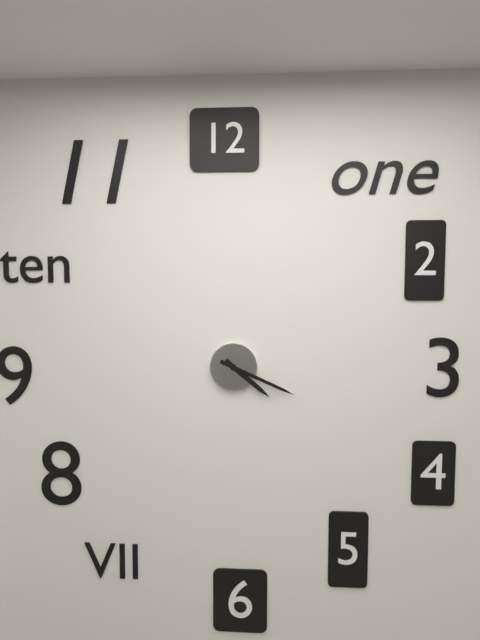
4:19
